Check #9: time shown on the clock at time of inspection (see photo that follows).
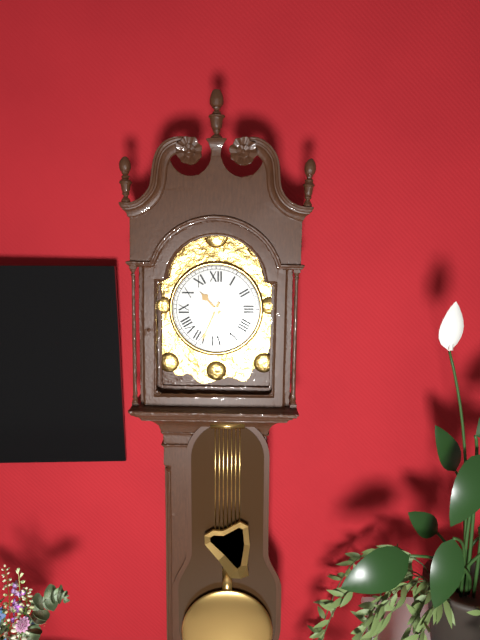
10:34
